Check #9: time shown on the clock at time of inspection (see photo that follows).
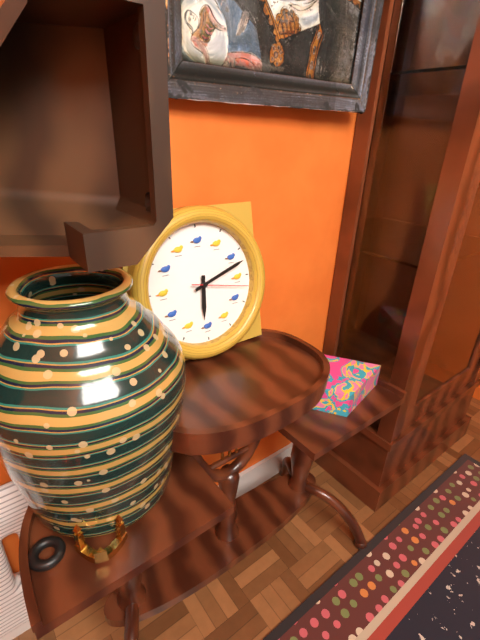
6:12:17
